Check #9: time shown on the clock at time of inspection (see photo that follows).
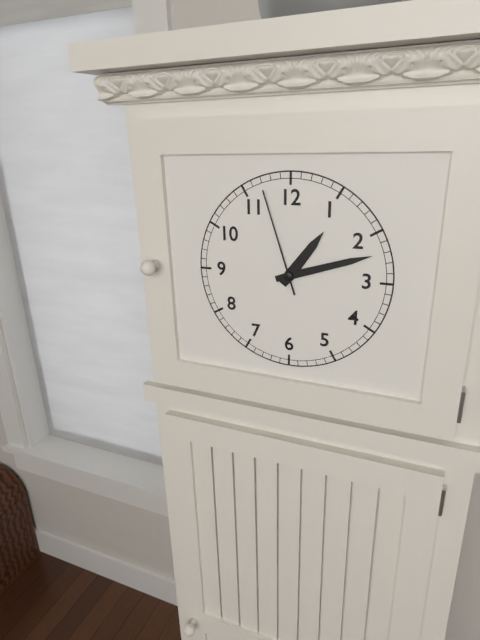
1:12:57
